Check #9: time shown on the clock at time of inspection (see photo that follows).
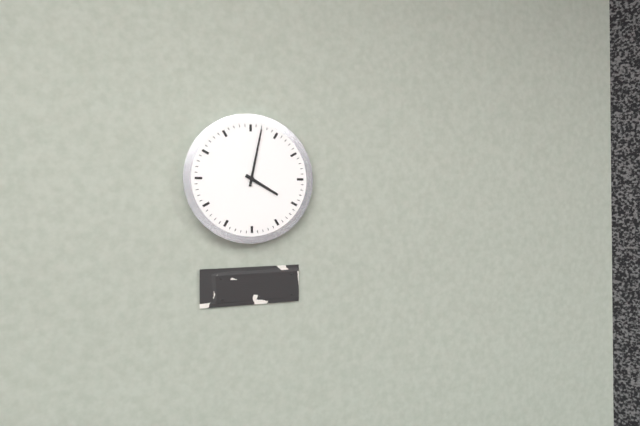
4:02
